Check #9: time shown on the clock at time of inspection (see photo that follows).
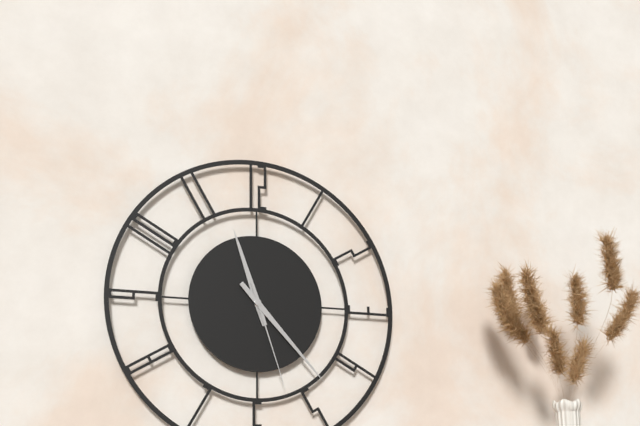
11:23:27
